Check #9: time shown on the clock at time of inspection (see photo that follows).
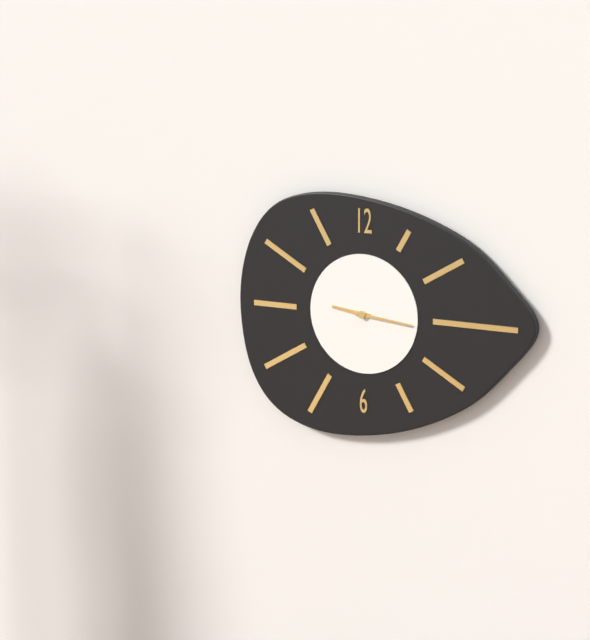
9:16
